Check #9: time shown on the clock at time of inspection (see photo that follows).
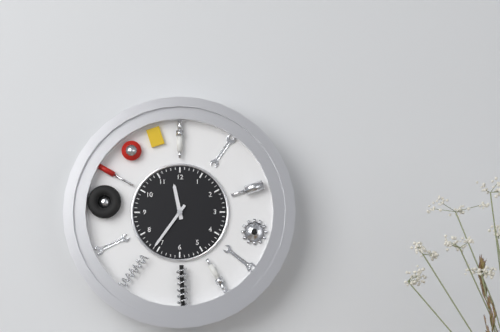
11:36
